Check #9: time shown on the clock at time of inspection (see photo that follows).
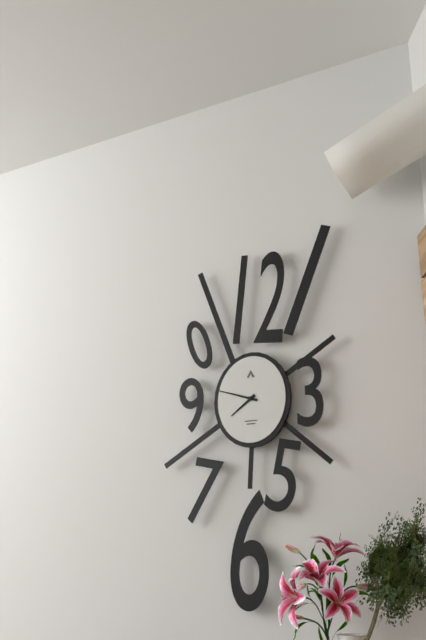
7:48
